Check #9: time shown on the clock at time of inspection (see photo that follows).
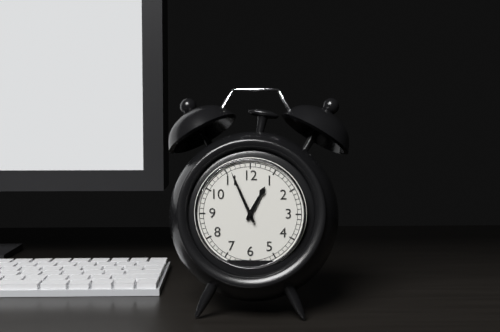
12:56
